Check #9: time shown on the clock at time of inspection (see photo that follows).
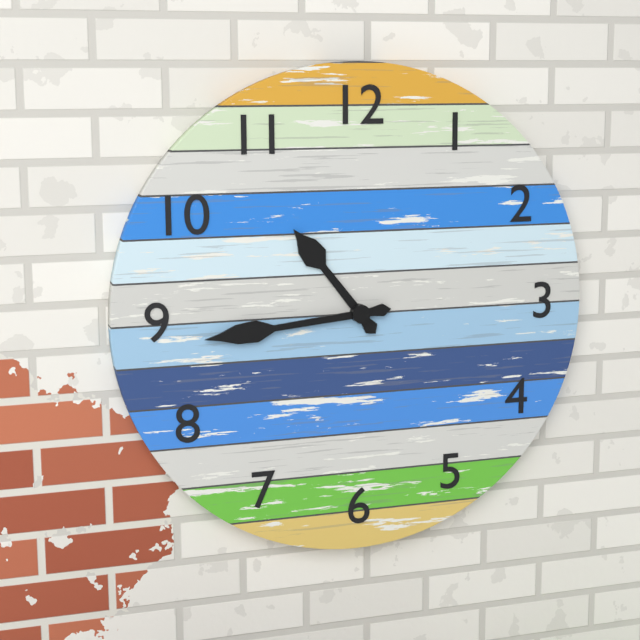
10:44
